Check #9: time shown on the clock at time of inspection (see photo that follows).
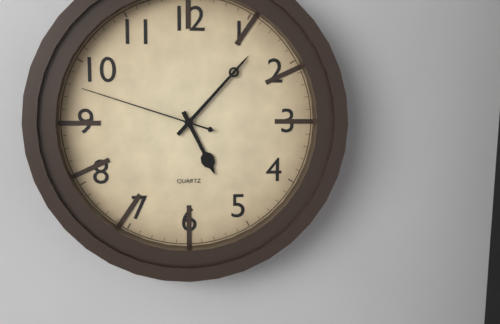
5:07:48
